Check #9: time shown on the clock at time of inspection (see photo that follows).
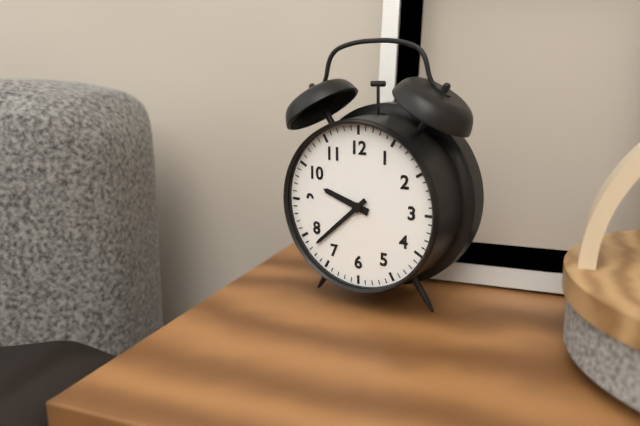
9:38
